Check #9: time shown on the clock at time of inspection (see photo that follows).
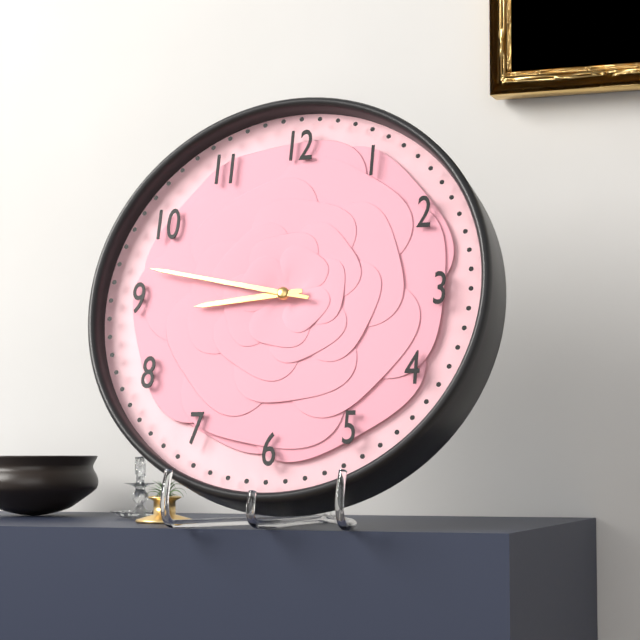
8:47
